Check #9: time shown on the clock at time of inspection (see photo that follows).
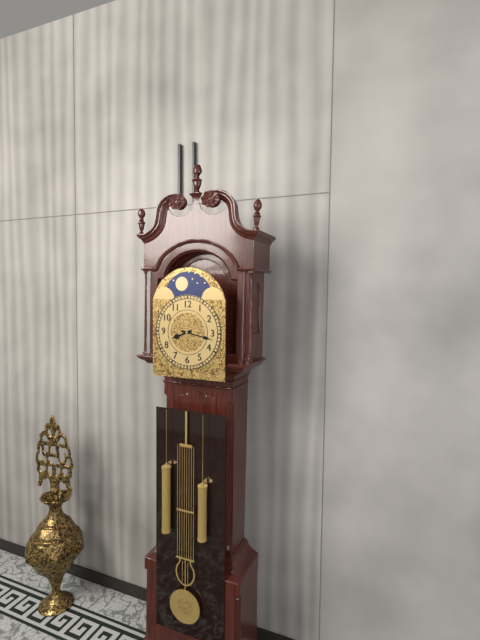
8:17
